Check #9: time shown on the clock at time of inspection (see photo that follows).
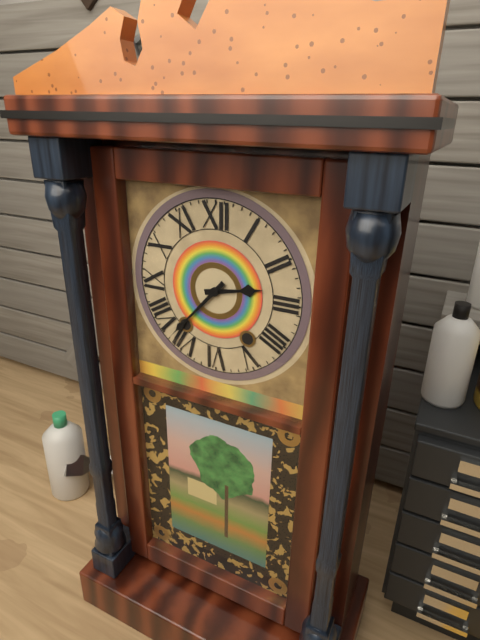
2:37
